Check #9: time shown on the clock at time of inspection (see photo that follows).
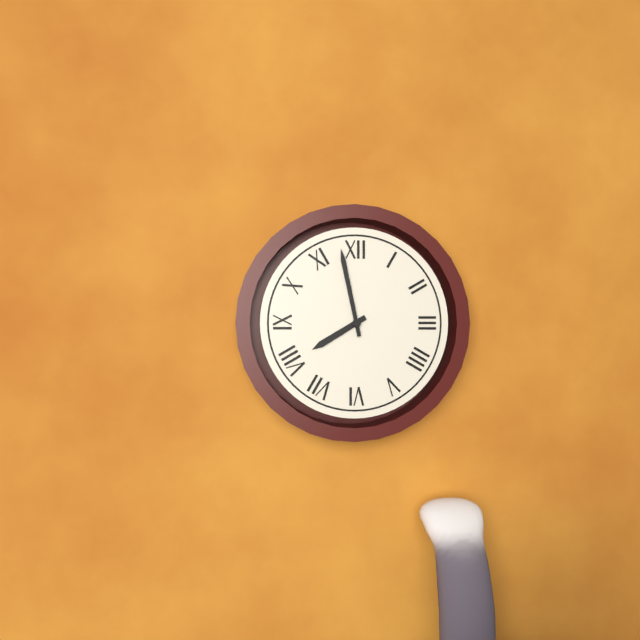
7:58
